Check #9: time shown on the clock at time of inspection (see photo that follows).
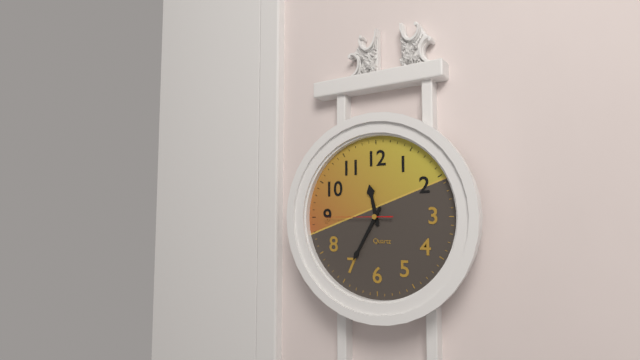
11:35:45
